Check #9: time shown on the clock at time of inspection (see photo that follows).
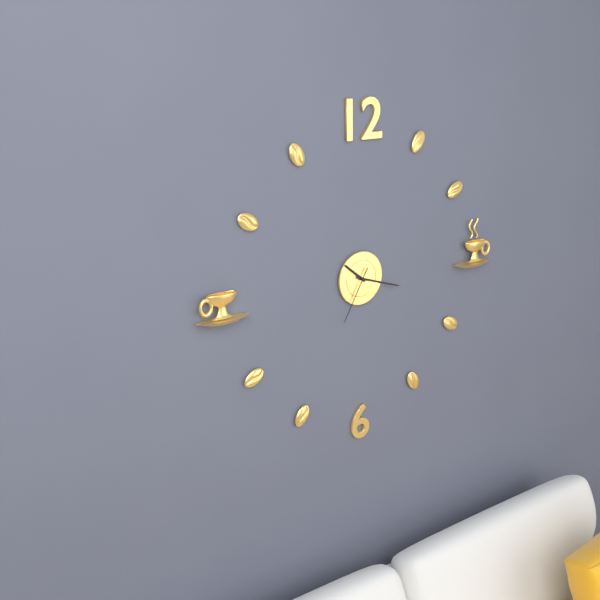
10:18:35
